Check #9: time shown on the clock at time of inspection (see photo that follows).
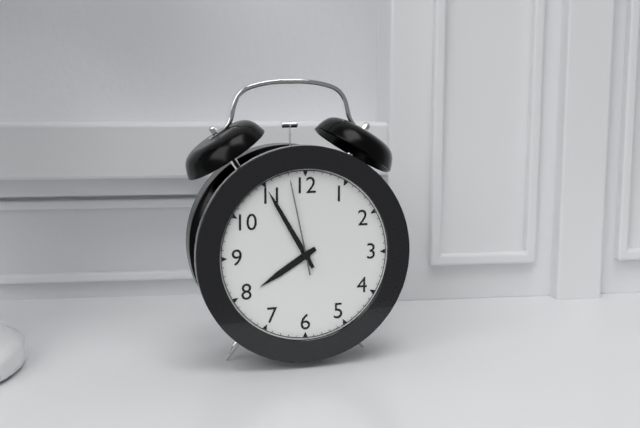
7:55:58
